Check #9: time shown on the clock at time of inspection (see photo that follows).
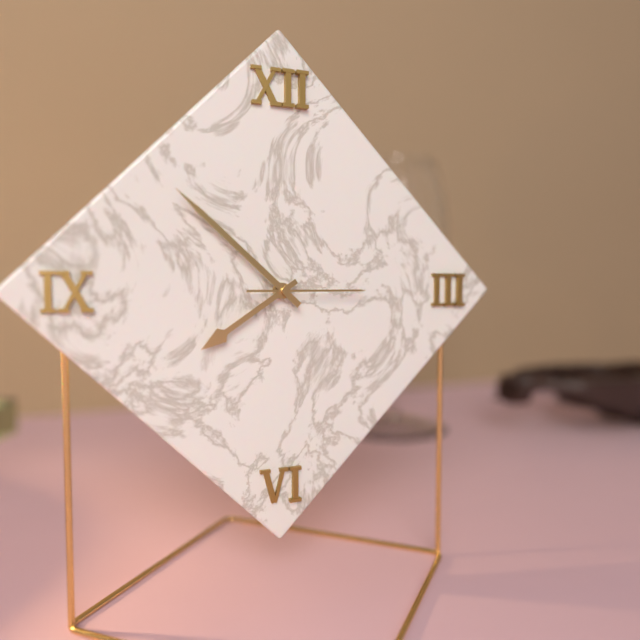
7:52:15
